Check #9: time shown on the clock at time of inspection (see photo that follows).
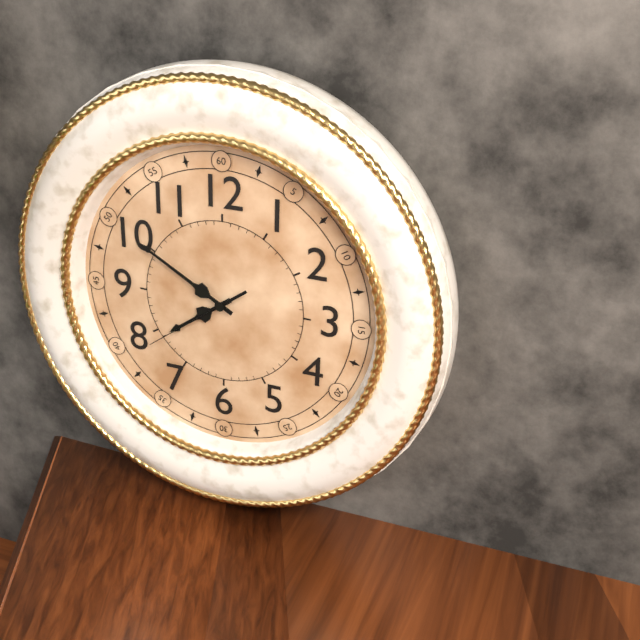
7:50:39
